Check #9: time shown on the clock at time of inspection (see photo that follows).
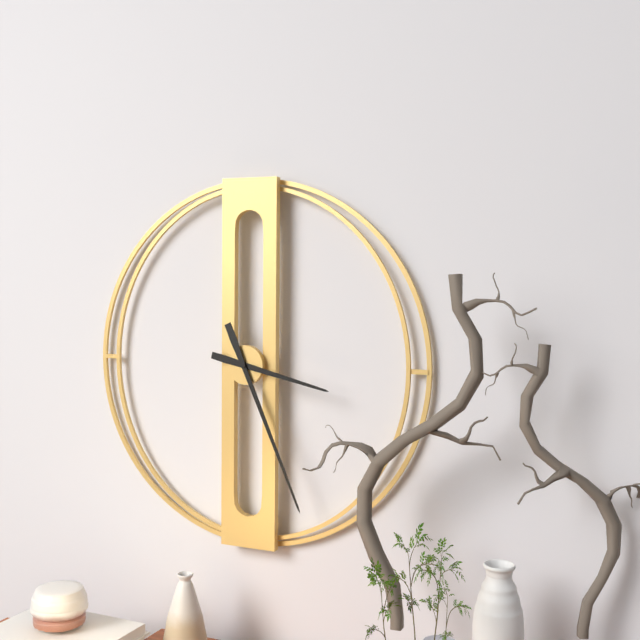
3:26
